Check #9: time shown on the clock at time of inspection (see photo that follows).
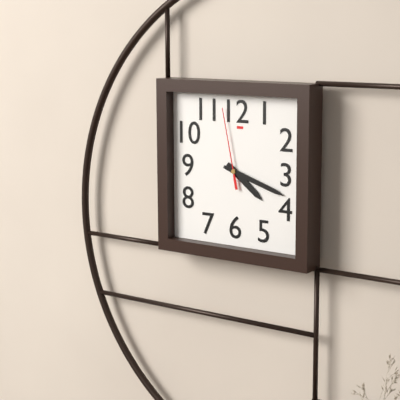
4:18:58
